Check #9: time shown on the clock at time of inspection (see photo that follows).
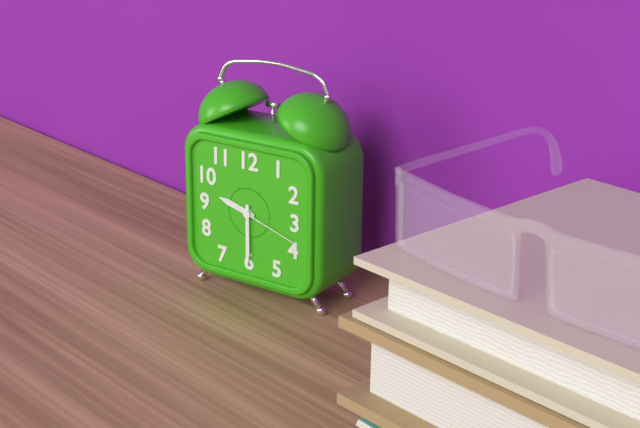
9:30:18
